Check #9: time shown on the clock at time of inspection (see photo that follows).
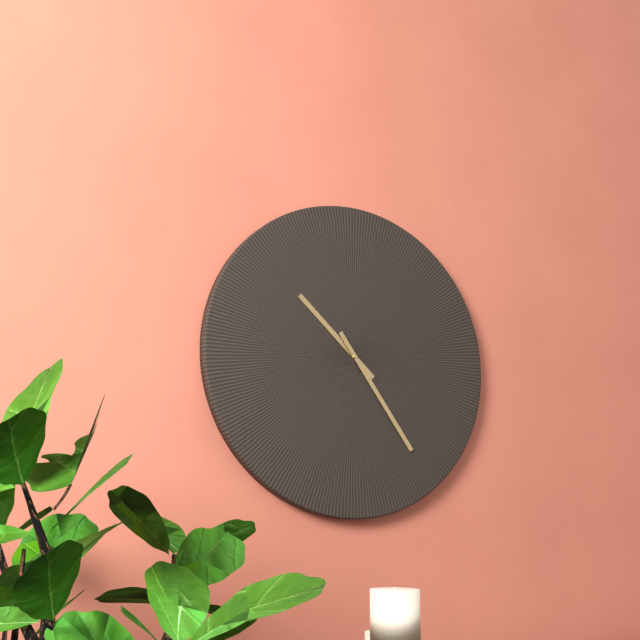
10:24
